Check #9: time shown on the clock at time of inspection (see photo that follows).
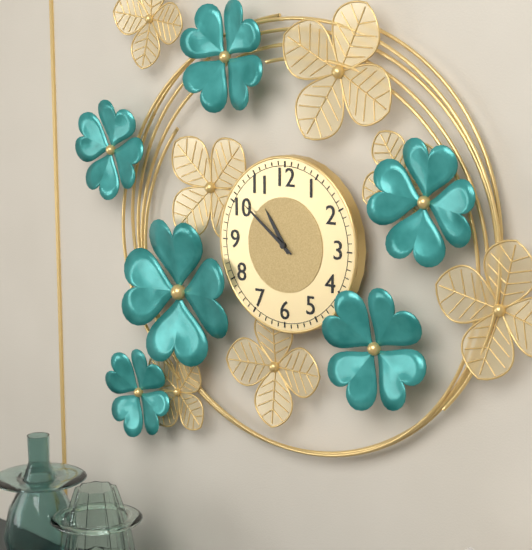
10:51
